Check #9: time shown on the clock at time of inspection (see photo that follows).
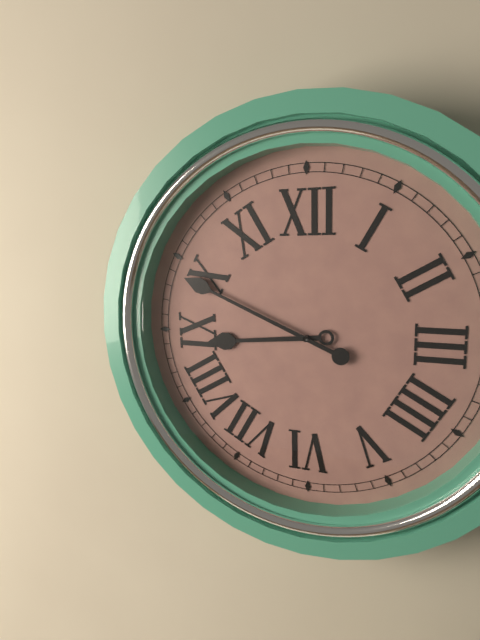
8:49
